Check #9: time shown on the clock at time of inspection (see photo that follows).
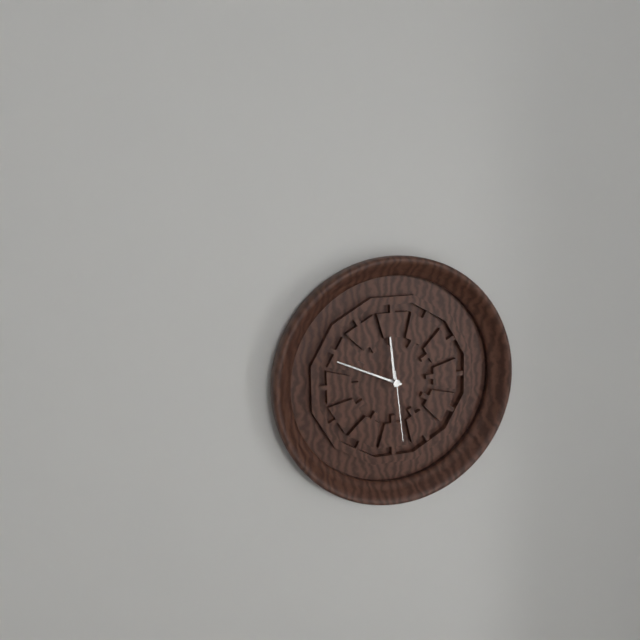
11:49:29
